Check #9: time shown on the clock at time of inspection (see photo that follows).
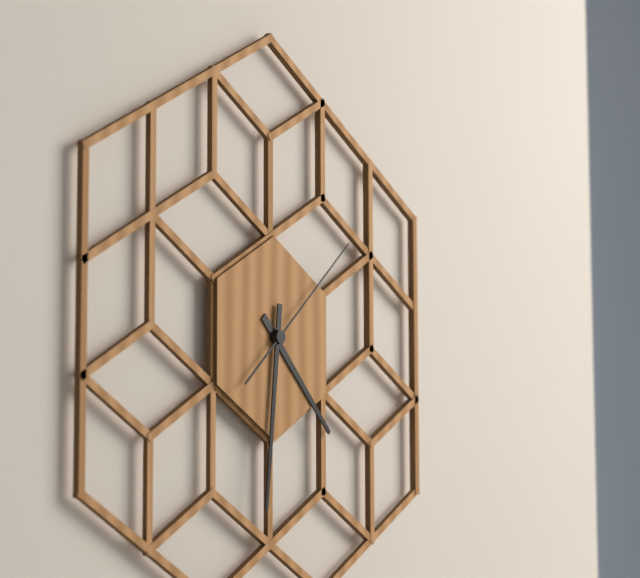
4:31:08
